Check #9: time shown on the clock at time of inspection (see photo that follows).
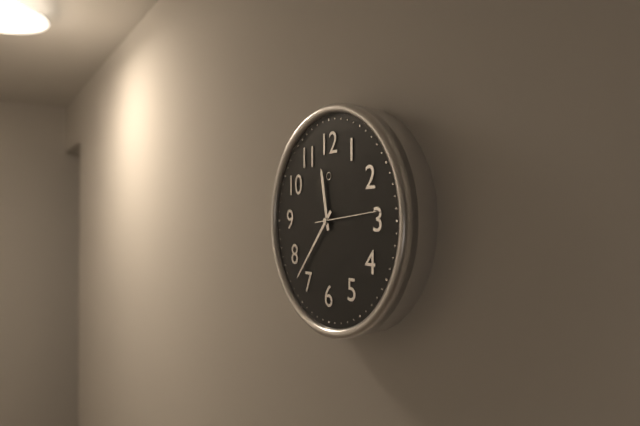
11:37:14
